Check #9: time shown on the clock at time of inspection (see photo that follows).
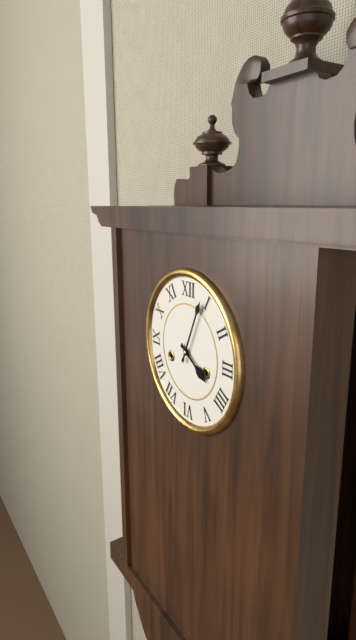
4:04
